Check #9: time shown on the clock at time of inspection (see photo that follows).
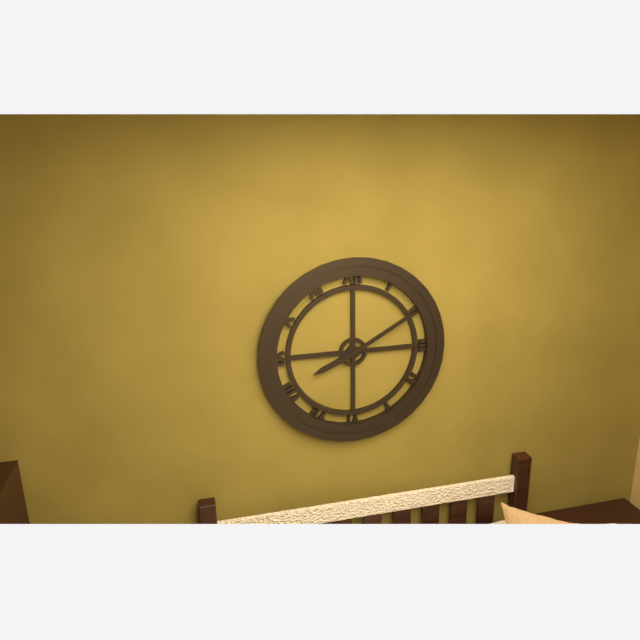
8:10
